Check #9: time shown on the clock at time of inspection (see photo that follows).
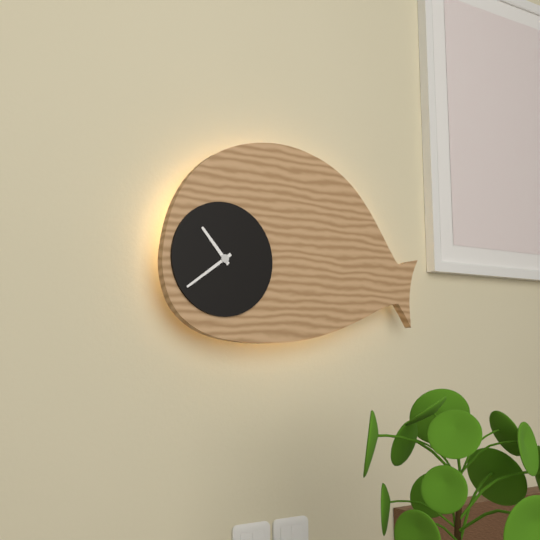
10:39
